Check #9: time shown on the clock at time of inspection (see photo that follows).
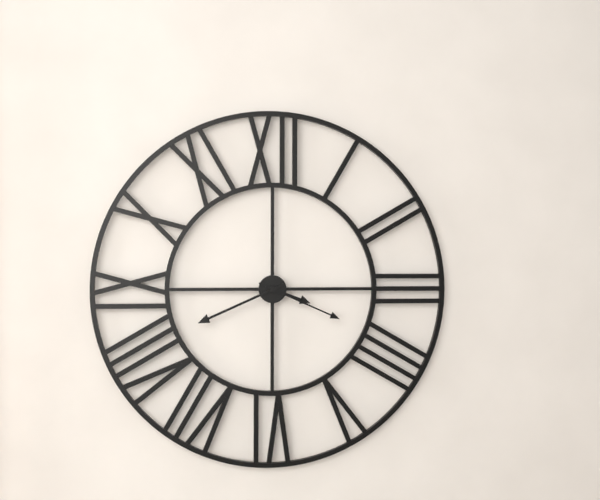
3:41:19
